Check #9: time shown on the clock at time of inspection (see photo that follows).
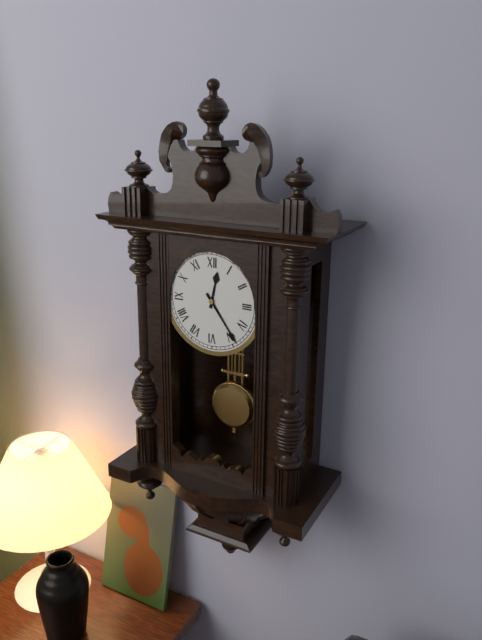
12:24
